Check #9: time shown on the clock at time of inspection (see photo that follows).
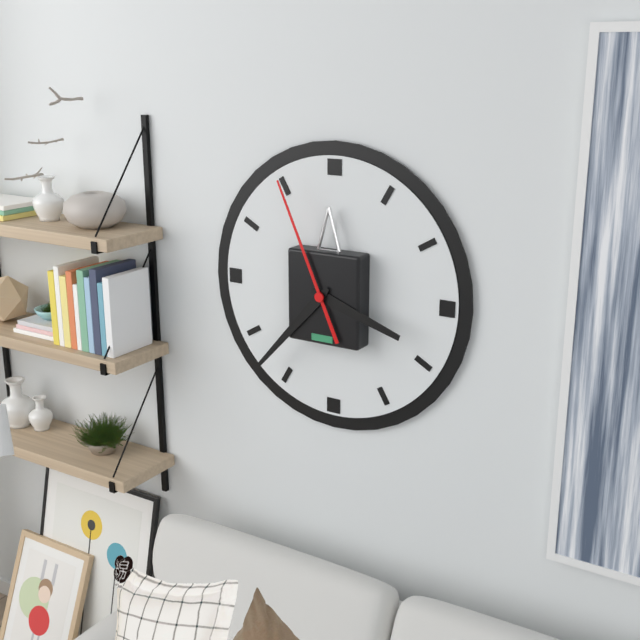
3:37:56
